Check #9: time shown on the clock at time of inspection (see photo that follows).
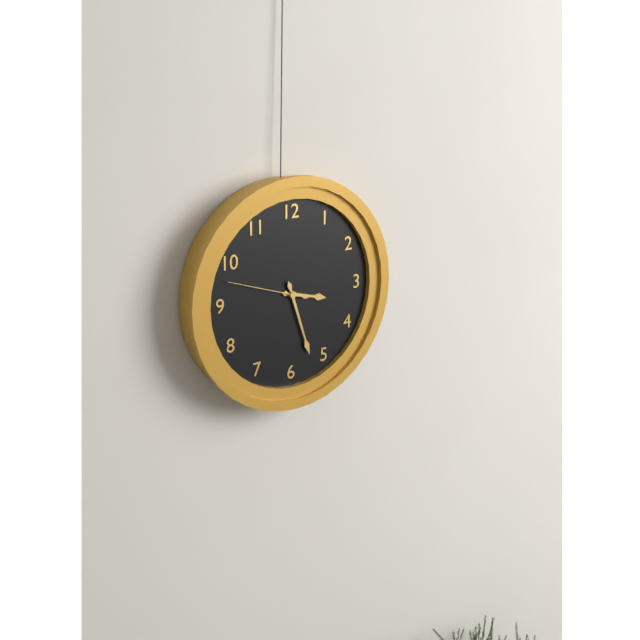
3:27:48
